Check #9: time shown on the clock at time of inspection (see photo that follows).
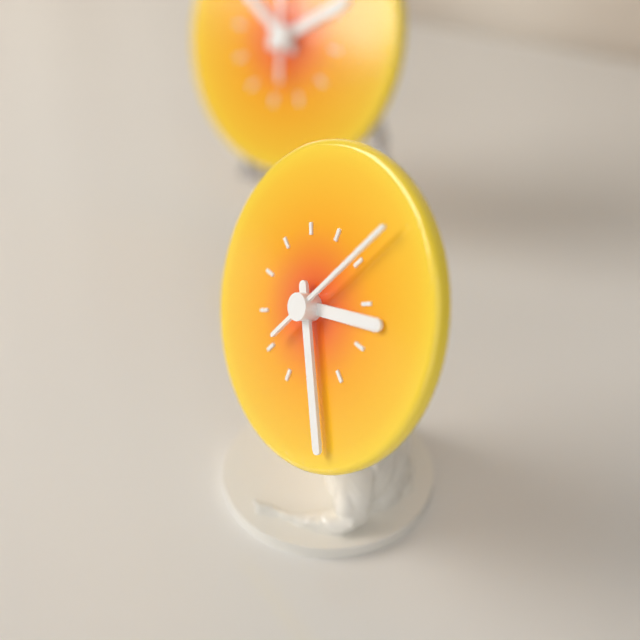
2:24:05
